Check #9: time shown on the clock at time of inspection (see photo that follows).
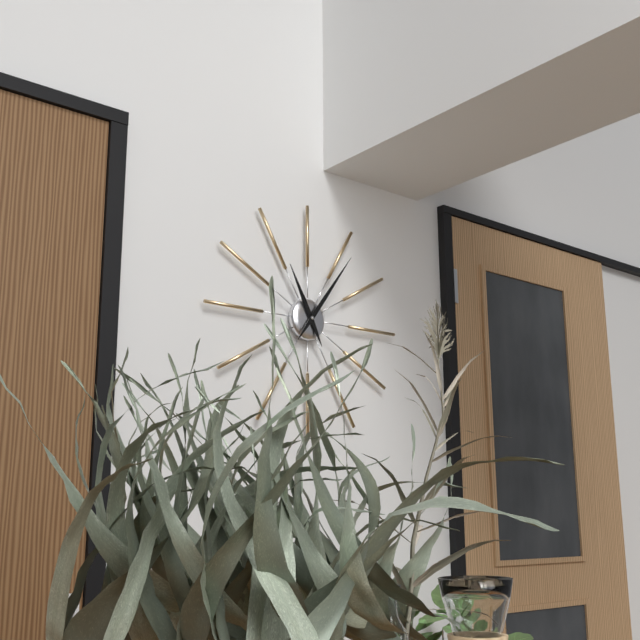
11:06
